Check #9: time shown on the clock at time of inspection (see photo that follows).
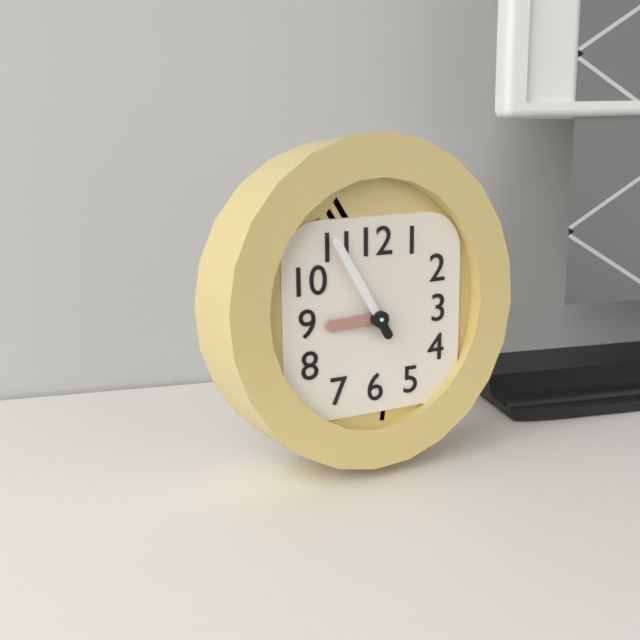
8:55
